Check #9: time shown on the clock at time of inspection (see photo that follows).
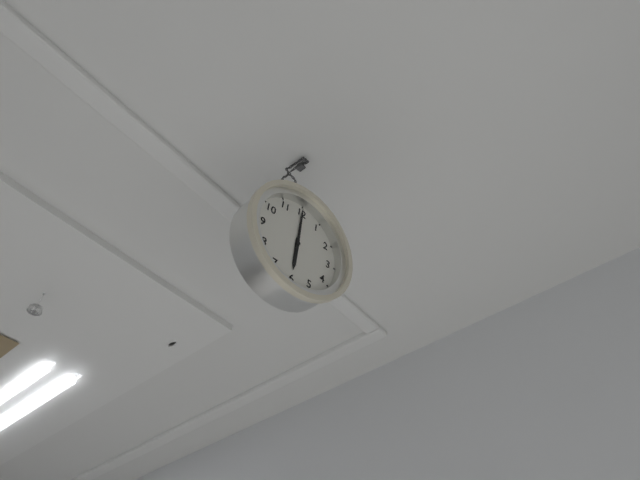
6:00
